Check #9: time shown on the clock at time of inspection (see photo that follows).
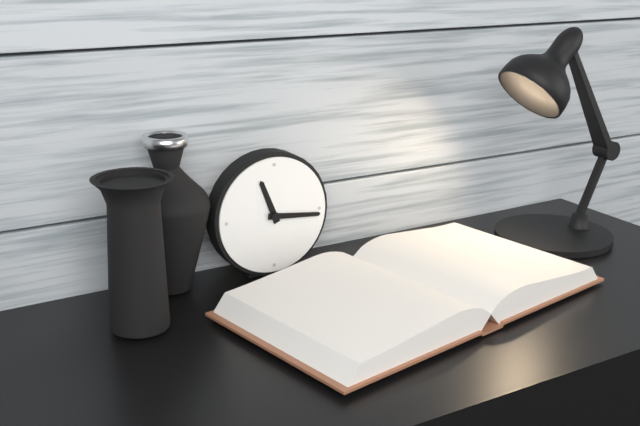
11:16
